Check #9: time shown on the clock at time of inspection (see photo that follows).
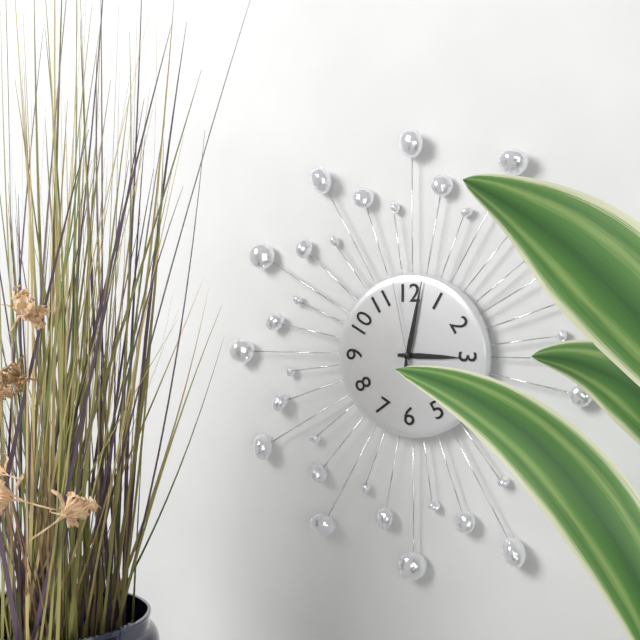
3:02:58
